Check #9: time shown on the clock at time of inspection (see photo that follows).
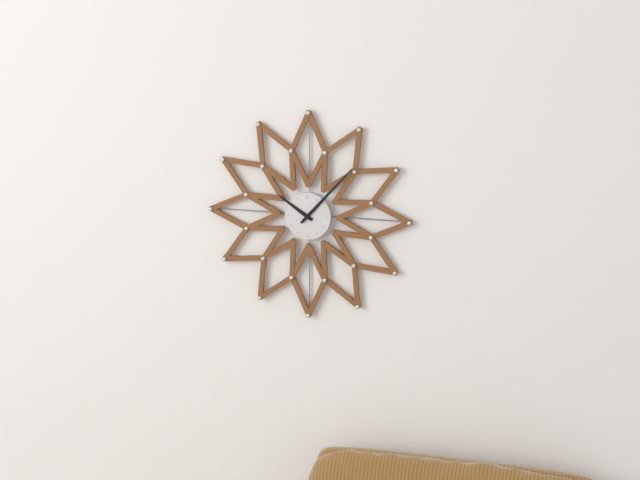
10:07
